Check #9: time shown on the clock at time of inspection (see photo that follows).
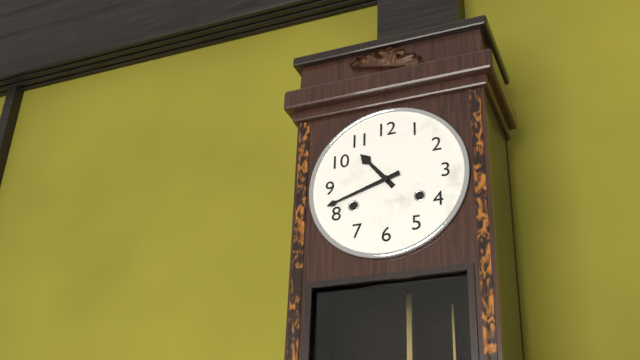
10:42
